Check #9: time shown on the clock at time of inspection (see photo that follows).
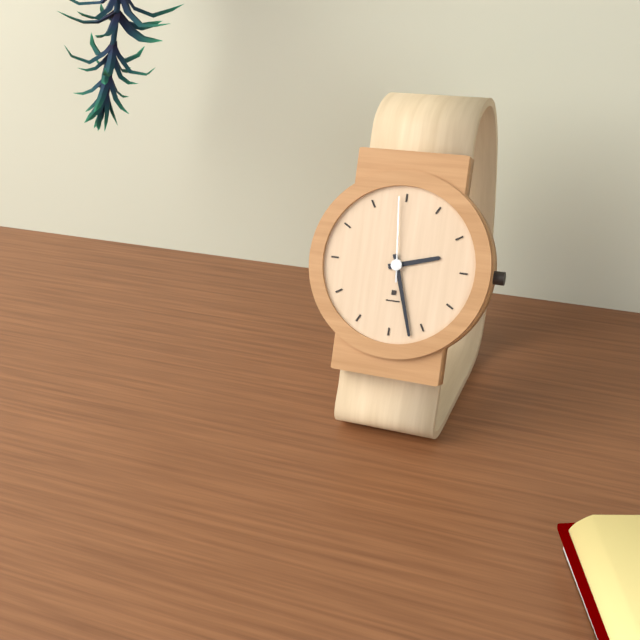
2:27:59
